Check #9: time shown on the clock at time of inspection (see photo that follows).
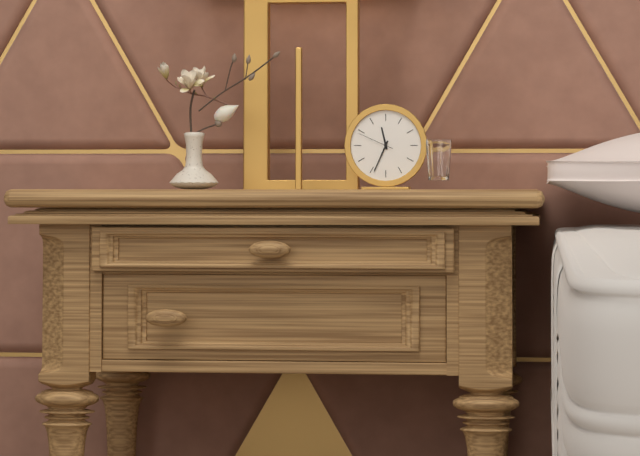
11:34
